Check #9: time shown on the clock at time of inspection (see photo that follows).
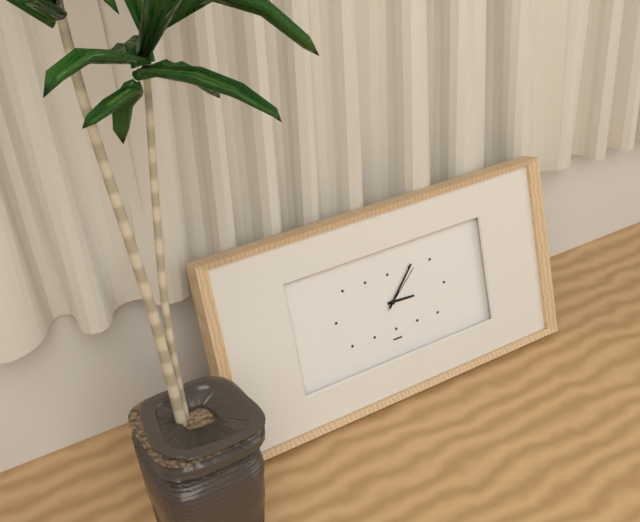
3:07:08
